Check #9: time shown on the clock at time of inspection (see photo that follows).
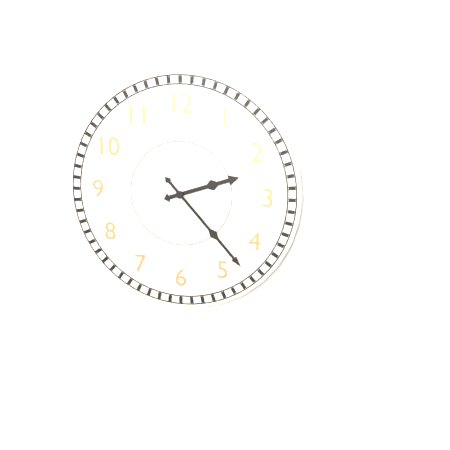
2:23
